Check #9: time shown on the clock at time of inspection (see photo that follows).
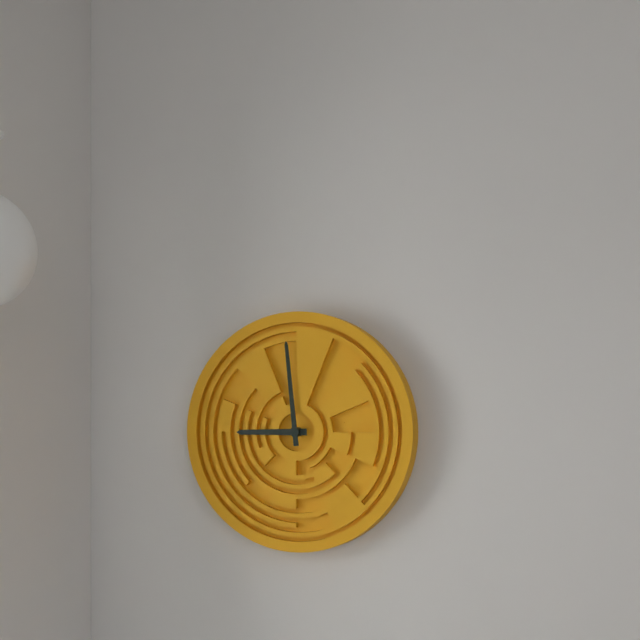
8:59
